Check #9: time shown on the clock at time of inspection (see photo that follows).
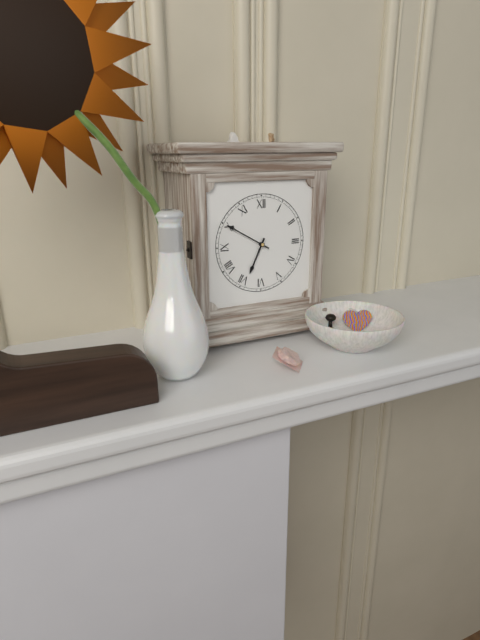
6:50
